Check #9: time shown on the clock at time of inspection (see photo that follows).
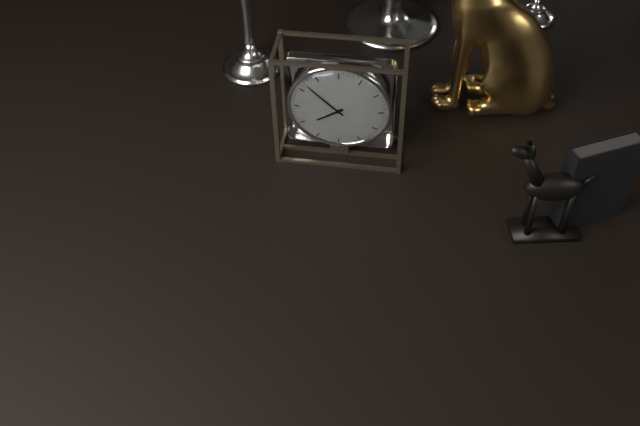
7:52
